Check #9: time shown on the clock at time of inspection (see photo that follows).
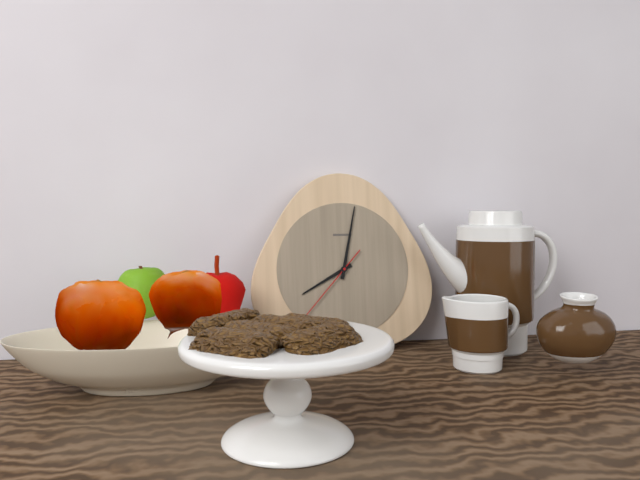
8:02:37
